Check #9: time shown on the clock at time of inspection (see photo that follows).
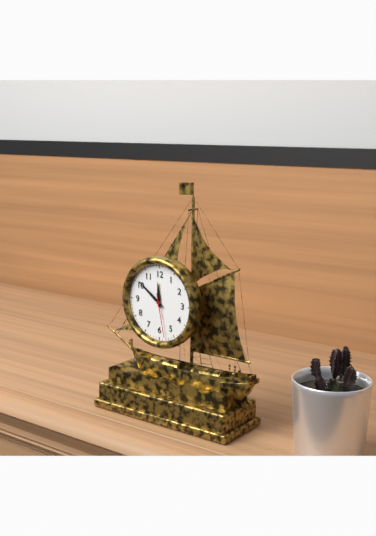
11:51
